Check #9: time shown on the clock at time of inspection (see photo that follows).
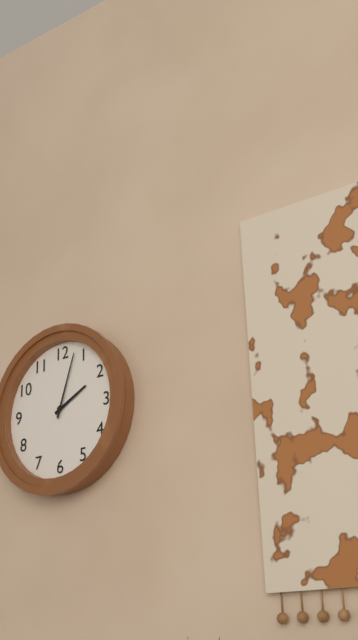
2:03
